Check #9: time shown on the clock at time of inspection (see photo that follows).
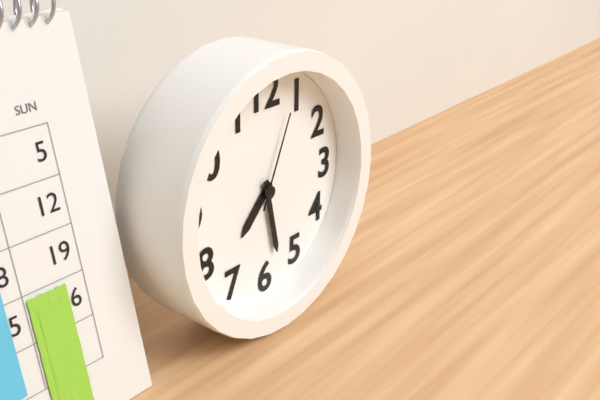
7:28:04
